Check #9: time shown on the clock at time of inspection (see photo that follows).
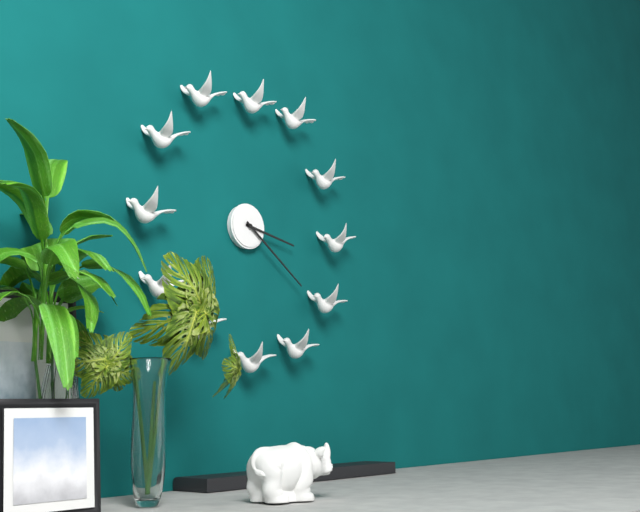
3:21
